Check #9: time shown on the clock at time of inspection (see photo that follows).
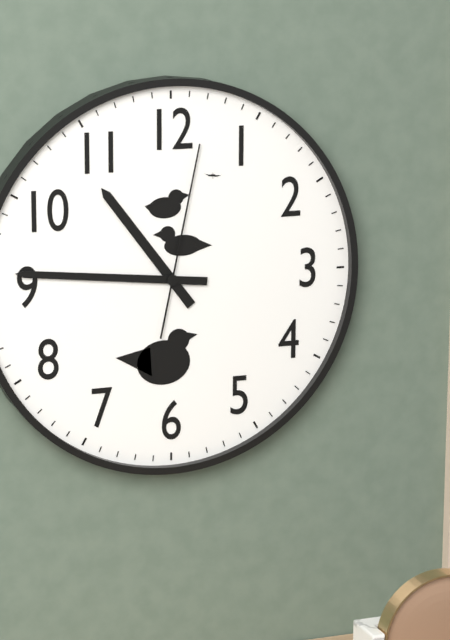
10:46:02
